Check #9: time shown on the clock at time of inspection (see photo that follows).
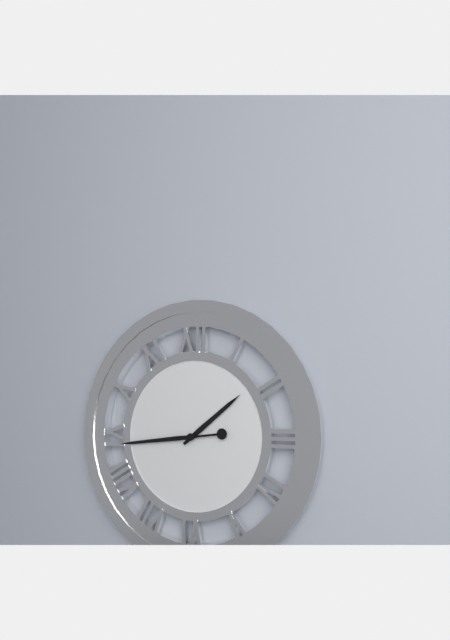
1:44
